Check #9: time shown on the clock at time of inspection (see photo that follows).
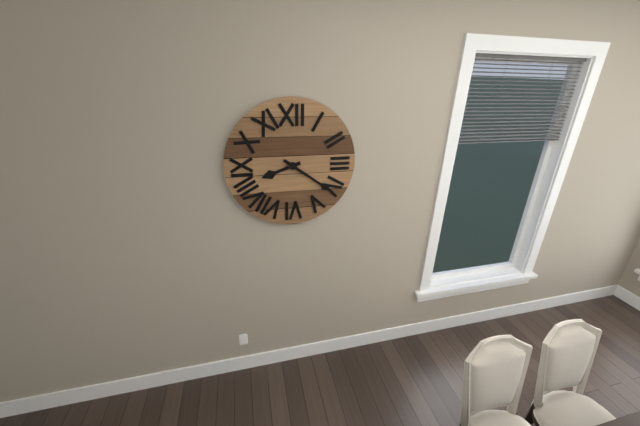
8:21
